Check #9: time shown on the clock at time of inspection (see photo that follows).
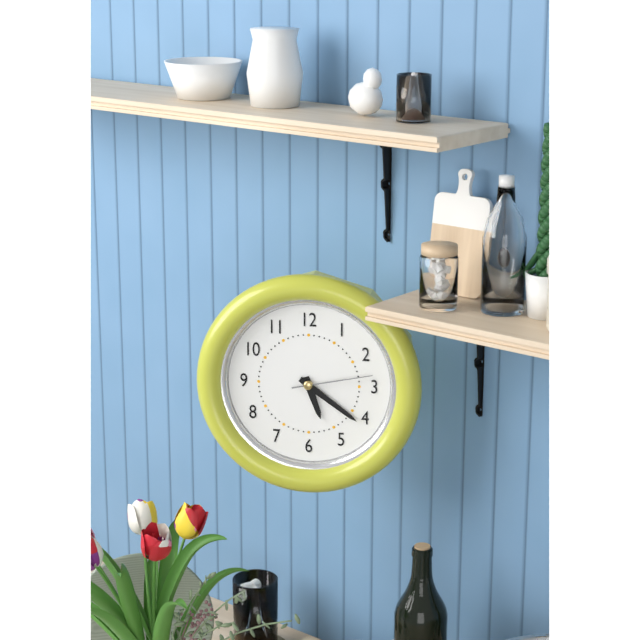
5:21:13
